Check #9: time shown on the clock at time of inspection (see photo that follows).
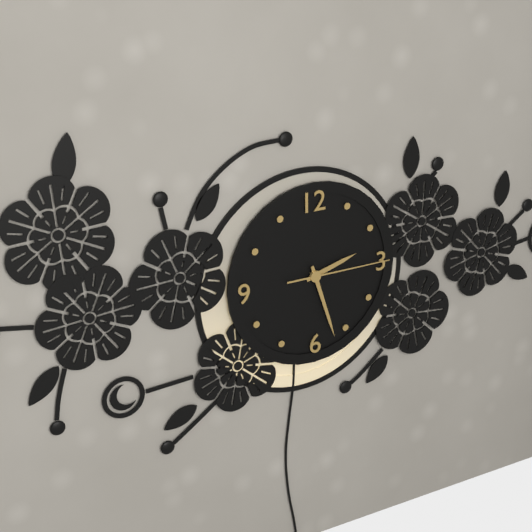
2:27:15
